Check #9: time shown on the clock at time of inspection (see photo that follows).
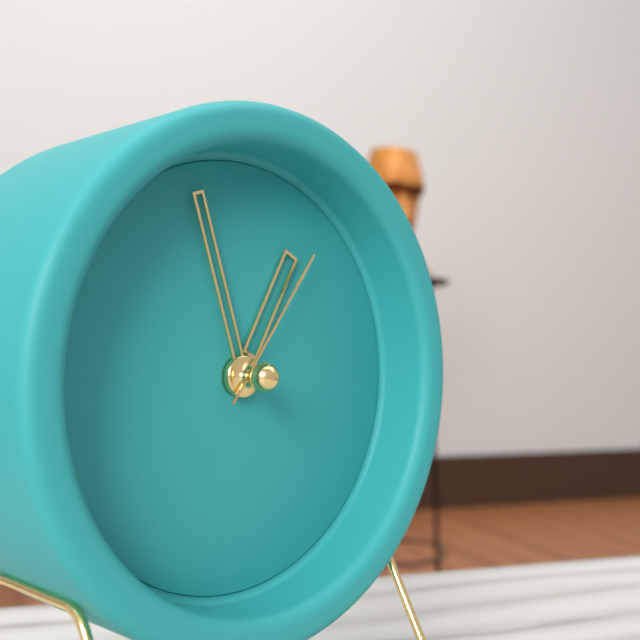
12:57:06
